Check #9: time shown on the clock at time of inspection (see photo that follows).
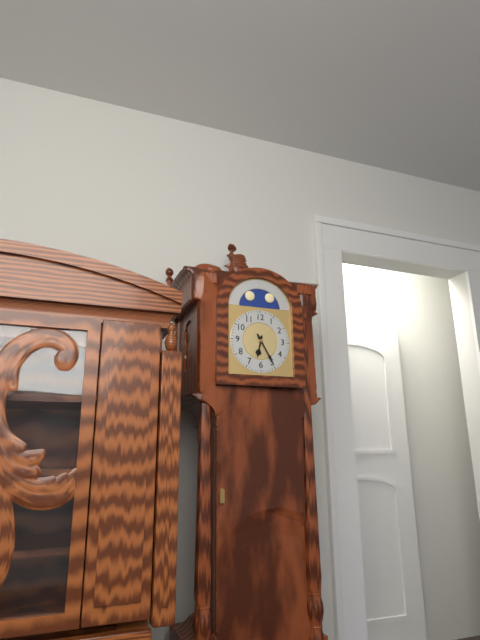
6:25
